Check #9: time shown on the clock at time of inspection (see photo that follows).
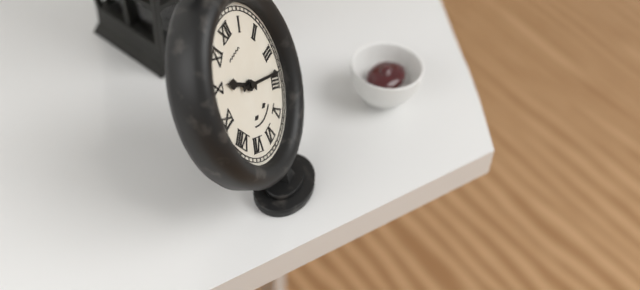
10:19
